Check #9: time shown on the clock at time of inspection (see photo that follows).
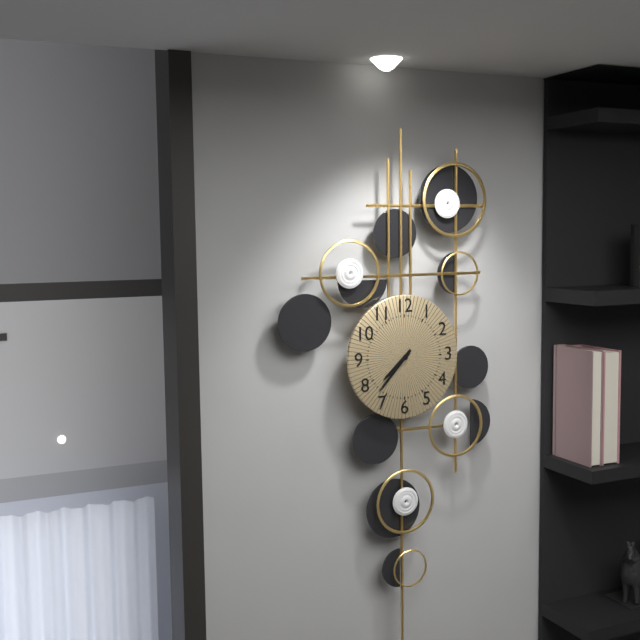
7:37
